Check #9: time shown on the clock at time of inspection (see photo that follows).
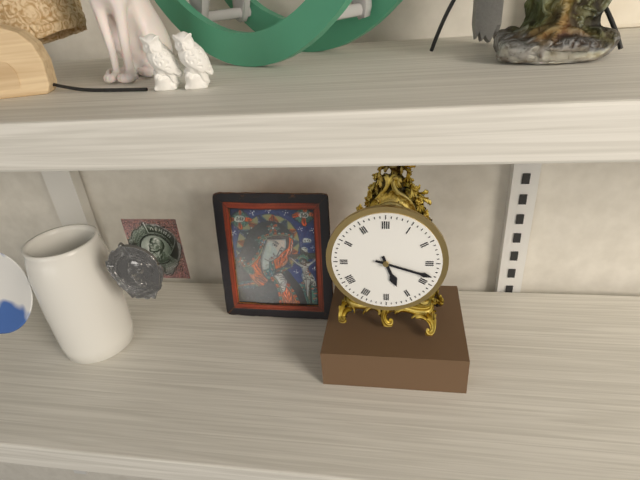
5:18
